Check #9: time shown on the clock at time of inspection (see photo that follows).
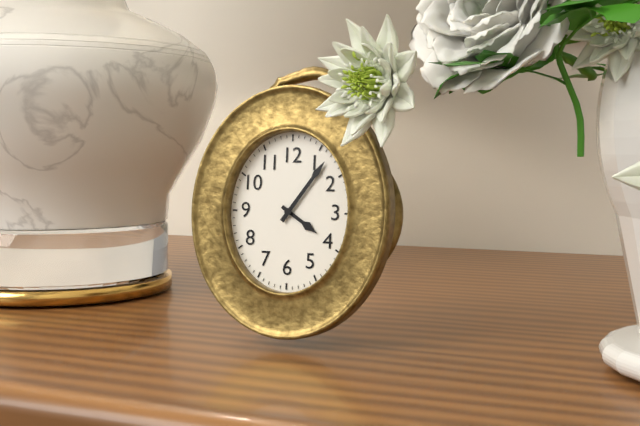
4:06
